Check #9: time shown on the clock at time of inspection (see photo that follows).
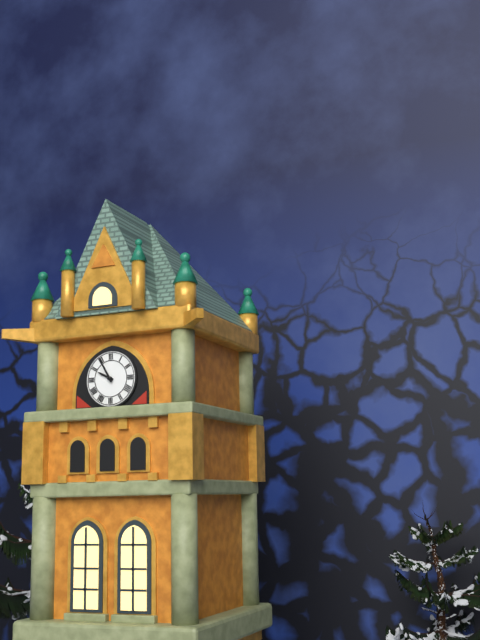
9:55
